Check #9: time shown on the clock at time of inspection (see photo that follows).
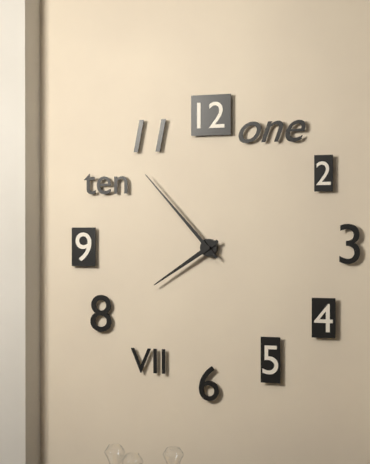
7:53
